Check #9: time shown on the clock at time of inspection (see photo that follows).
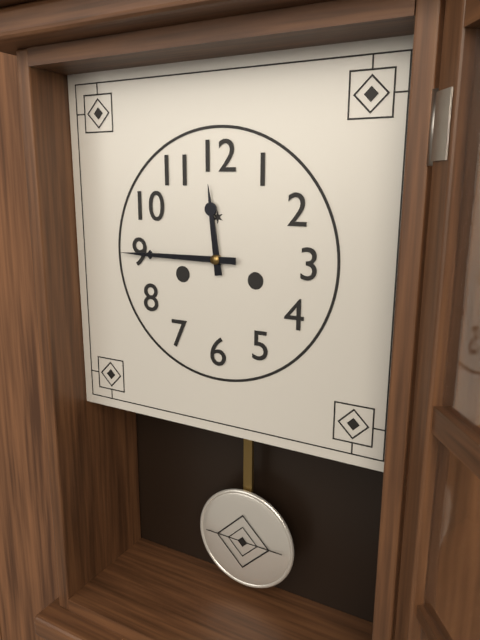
11:45
